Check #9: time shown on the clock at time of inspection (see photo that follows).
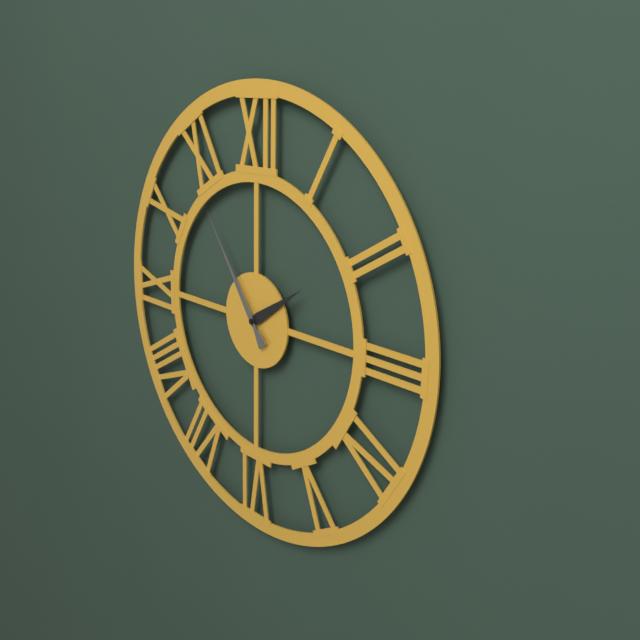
1:54
